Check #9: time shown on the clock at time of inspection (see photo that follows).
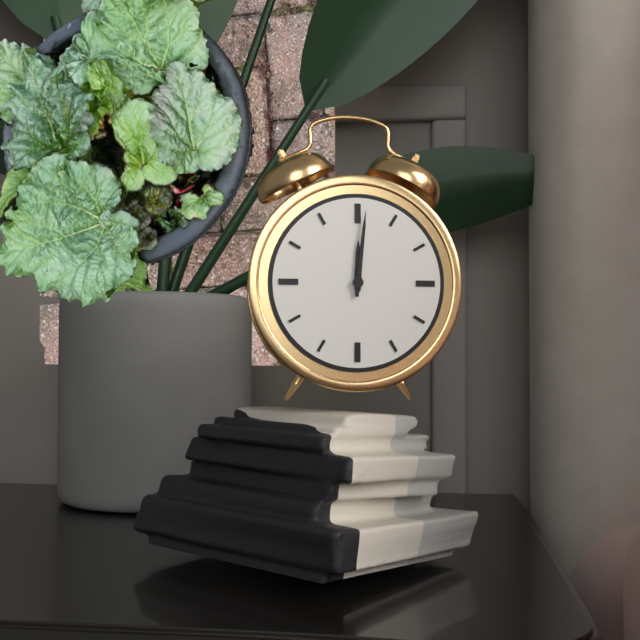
12:01
